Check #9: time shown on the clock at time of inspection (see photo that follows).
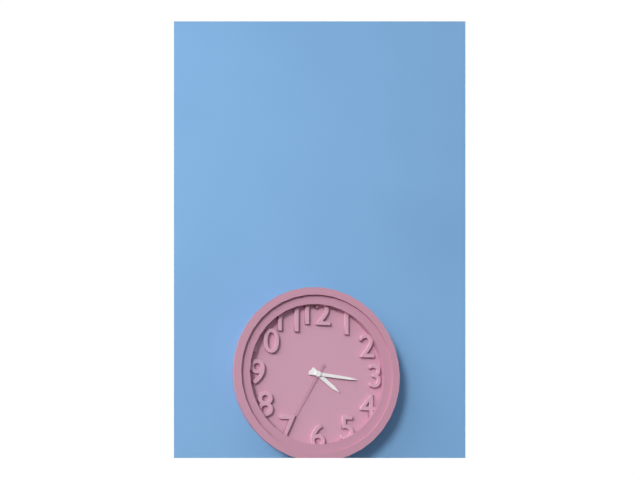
4:16:35
